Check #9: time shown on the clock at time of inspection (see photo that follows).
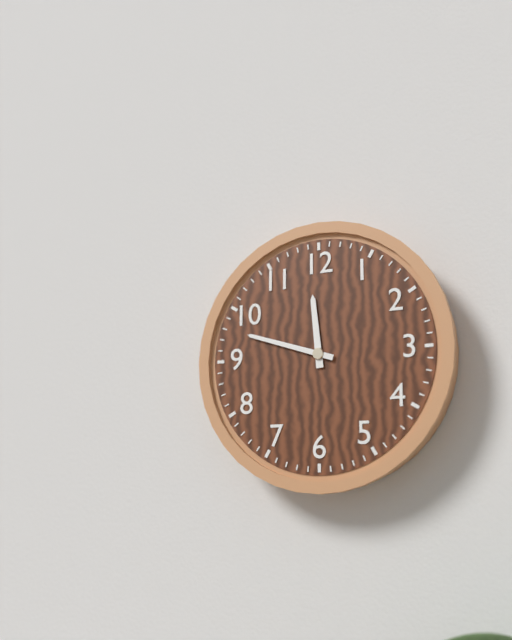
11:48
